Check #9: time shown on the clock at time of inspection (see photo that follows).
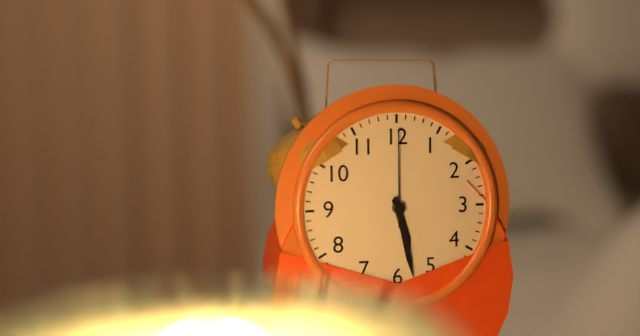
5:28:00
